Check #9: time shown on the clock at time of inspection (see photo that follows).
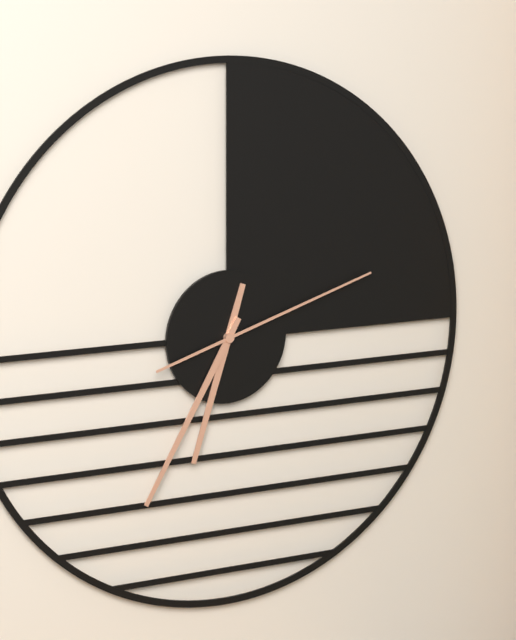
6:35:12
